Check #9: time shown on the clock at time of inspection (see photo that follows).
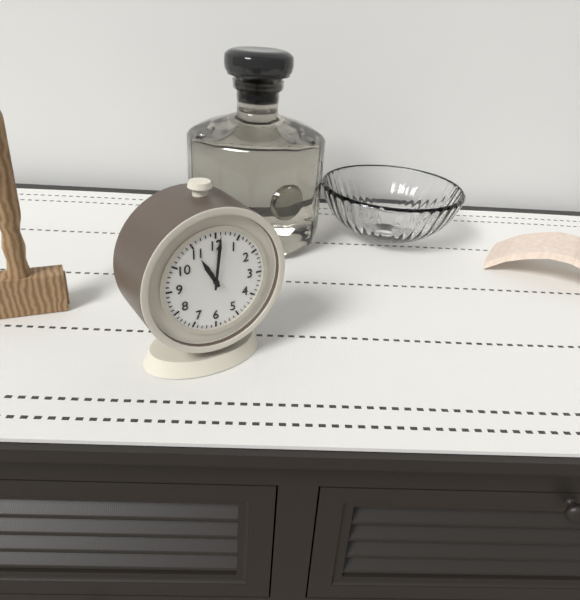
11:01
